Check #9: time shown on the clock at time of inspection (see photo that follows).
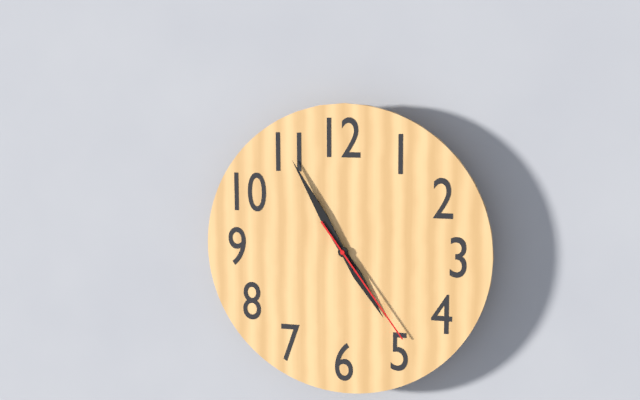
4:55:24
